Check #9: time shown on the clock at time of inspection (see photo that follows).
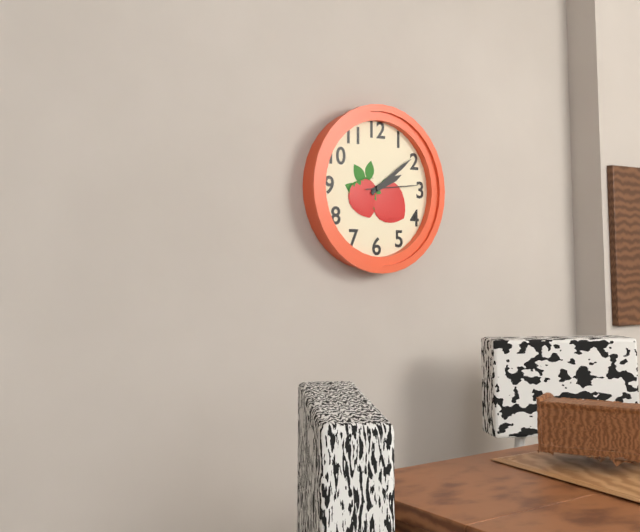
2:09:14
